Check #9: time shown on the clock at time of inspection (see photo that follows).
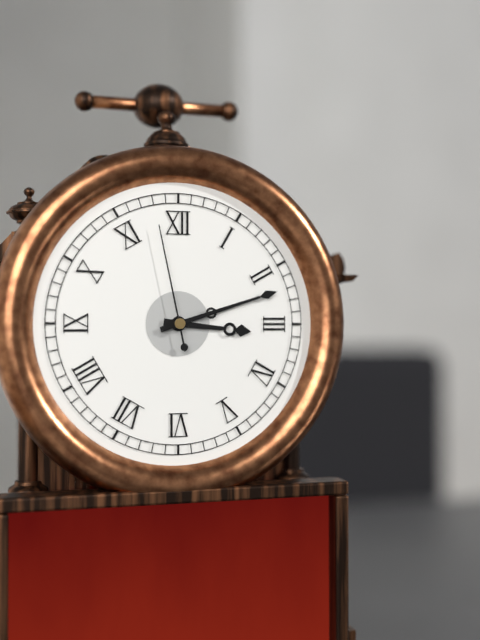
3:12:58
